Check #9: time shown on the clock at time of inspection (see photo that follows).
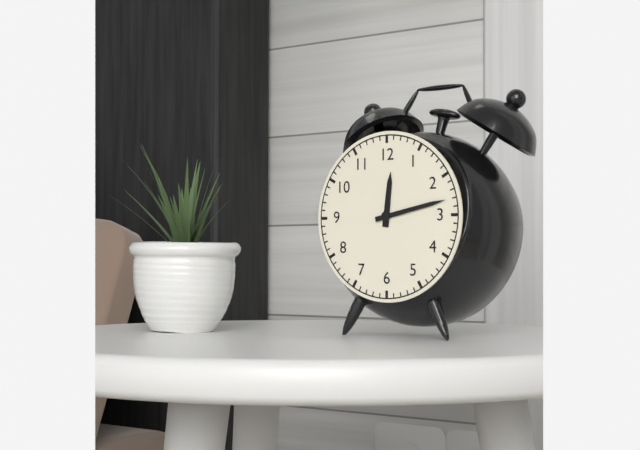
12:13
